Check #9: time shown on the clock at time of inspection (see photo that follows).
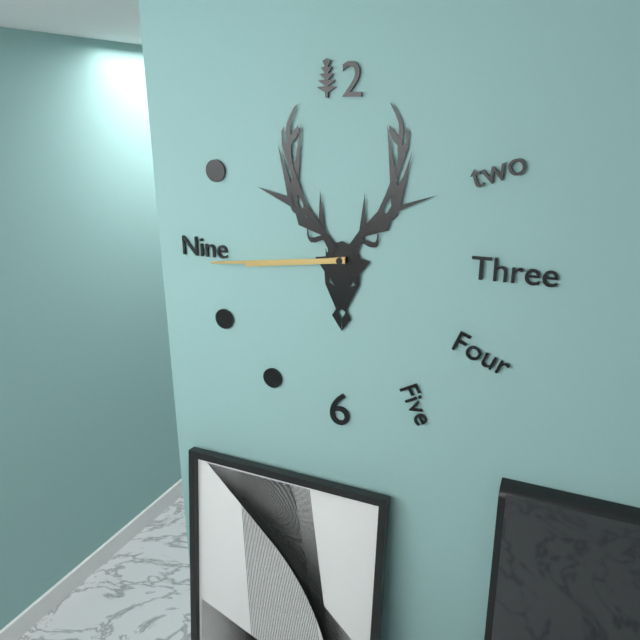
8:44
